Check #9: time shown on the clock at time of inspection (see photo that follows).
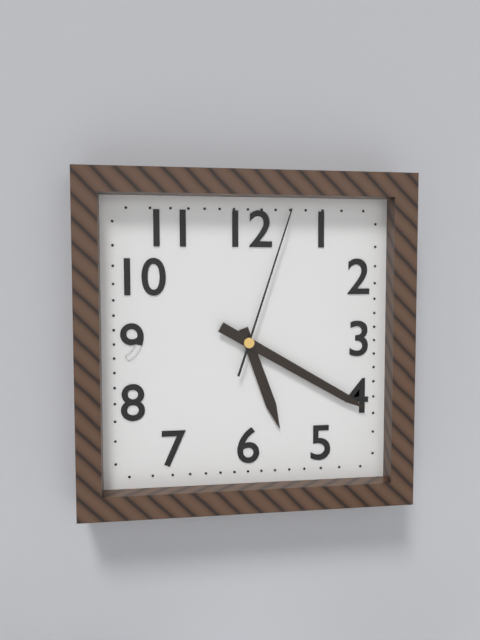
5:20:03
